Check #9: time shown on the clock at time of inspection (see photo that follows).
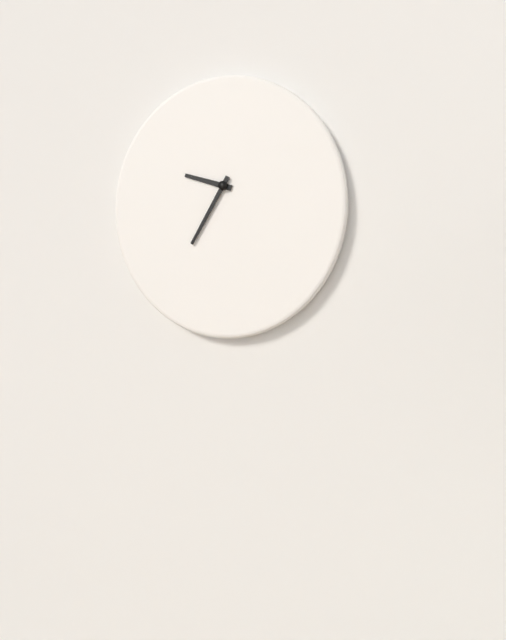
9:35
